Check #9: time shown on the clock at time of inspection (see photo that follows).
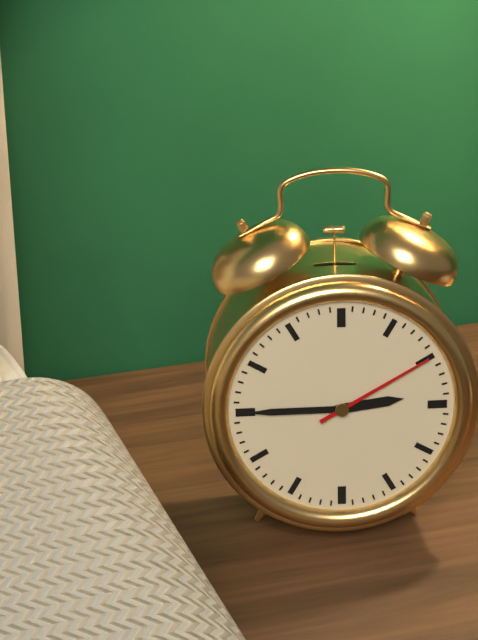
2:45:10
